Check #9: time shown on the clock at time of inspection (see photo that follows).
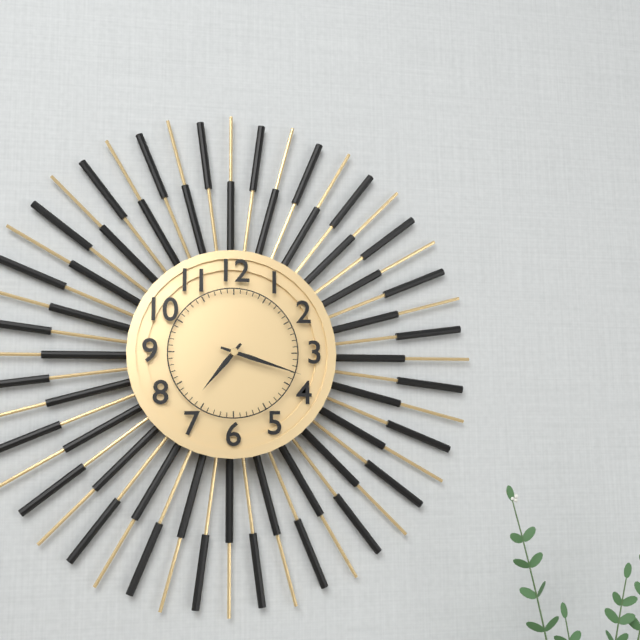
7:18
